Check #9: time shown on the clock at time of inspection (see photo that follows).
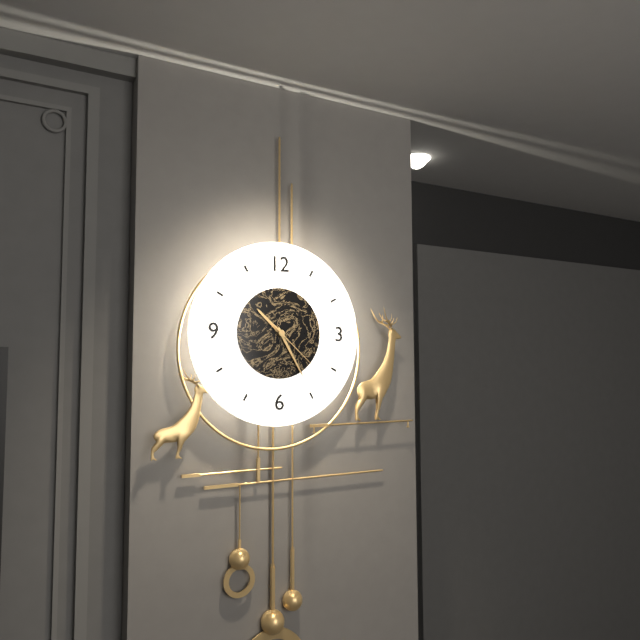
10:25:22
